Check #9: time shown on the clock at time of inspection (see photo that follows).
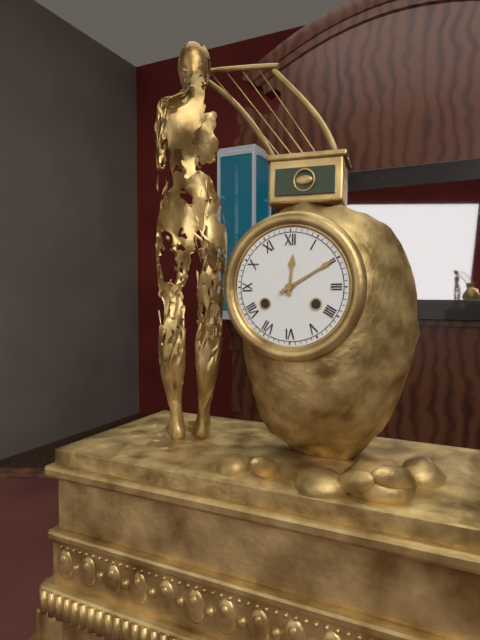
12:10
